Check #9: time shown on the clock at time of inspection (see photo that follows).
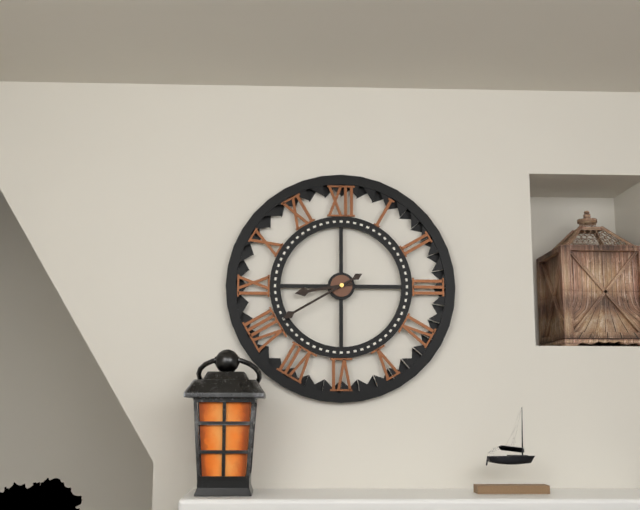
8:40
